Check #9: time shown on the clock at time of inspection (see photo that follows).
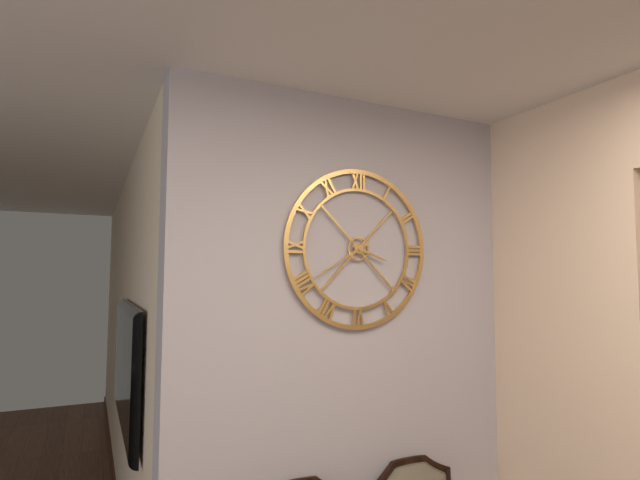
3:40
